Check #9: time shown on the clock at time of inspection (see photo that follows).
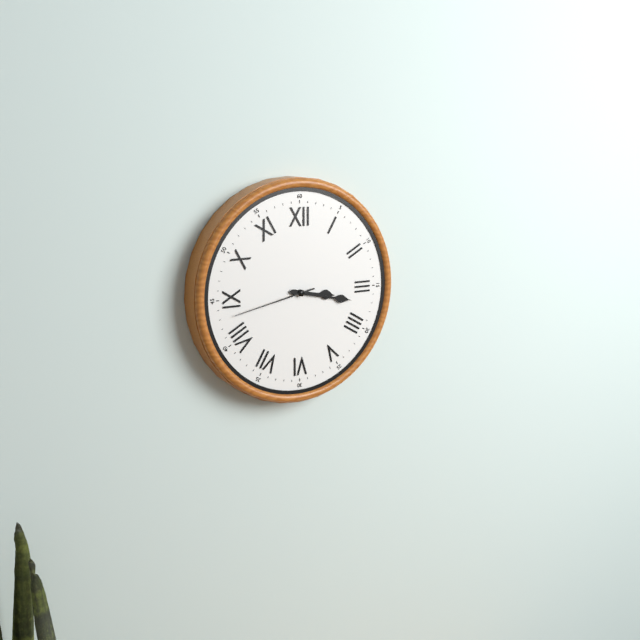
3:17:43
